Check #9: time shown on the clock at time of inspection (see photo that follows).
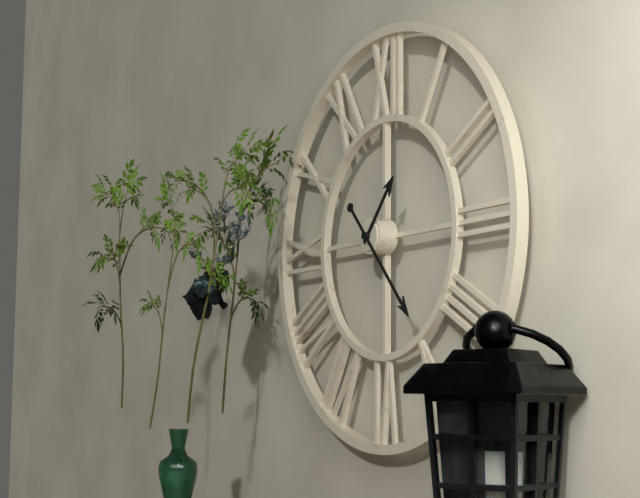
1:23
